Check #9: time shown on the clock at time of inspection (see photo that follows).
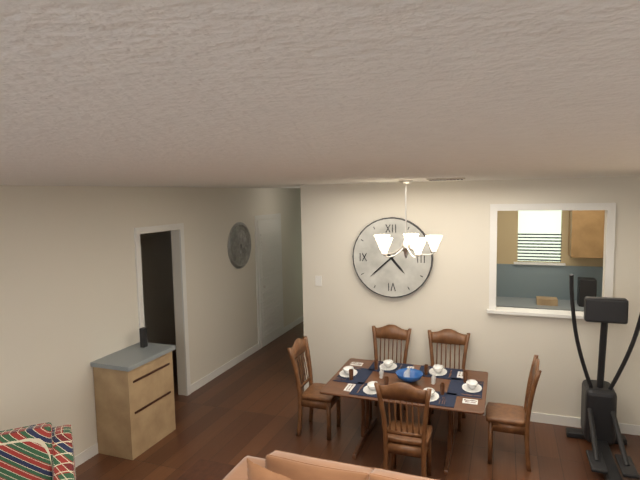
4:38
